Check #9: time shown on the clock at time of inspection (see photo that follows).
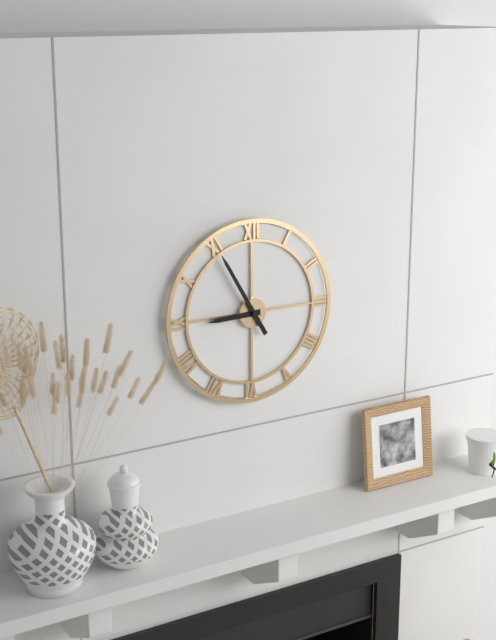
8:55
